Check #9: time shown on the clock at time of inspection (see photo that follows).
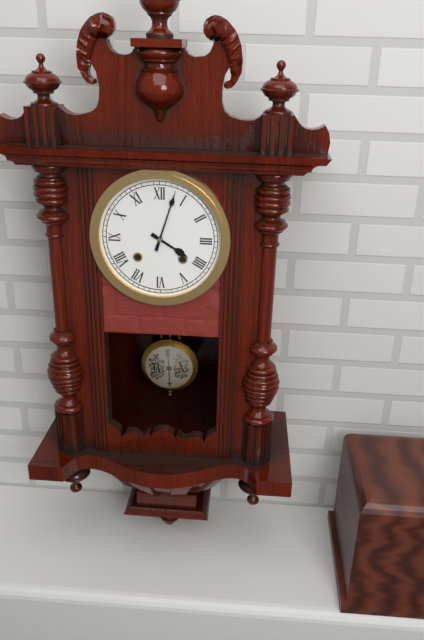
4:03
